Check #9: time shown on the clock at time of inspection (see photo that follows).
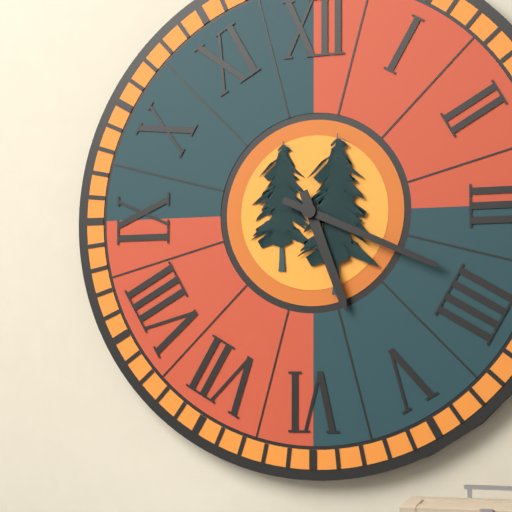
5:19
